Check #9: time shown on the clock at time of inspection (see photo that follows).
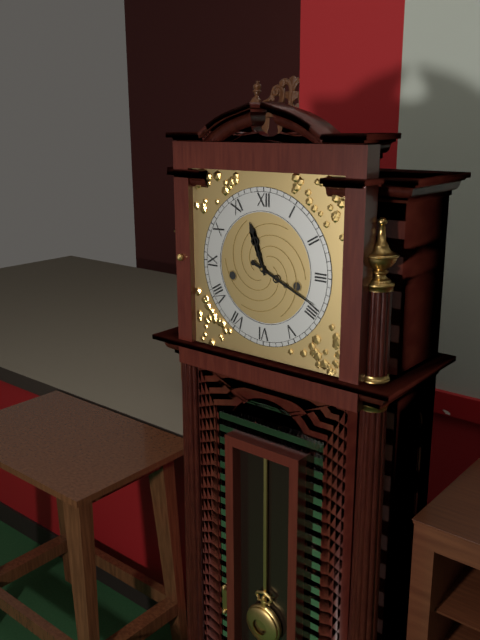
11:19
